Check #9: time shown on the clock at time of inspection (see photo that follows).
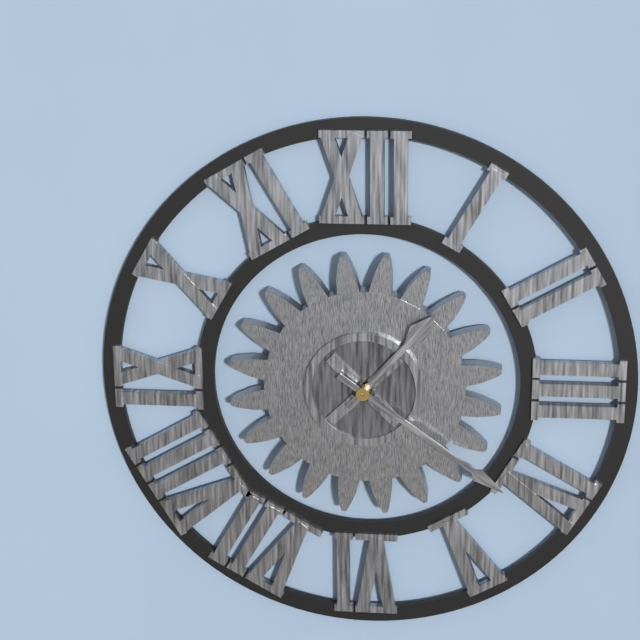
1:21
